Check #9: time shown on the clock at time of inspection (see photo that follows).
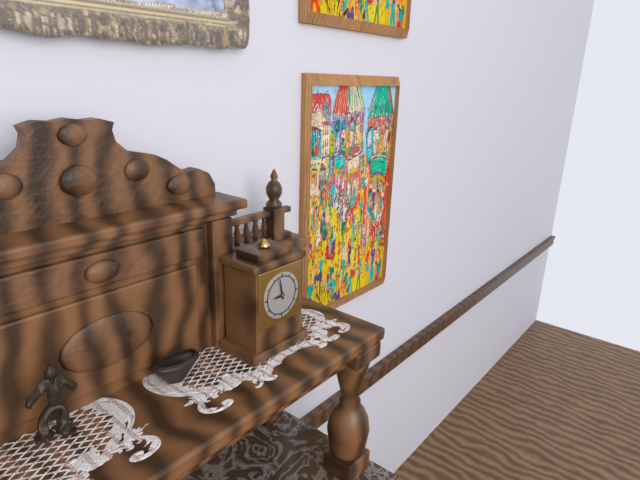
8:58
